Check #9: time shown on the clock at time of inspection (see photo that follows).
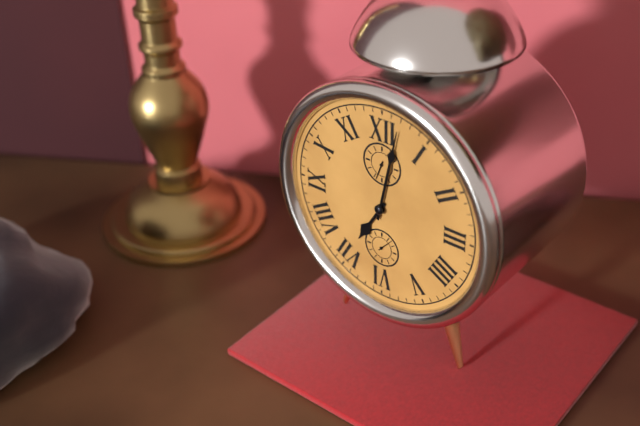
7:02
